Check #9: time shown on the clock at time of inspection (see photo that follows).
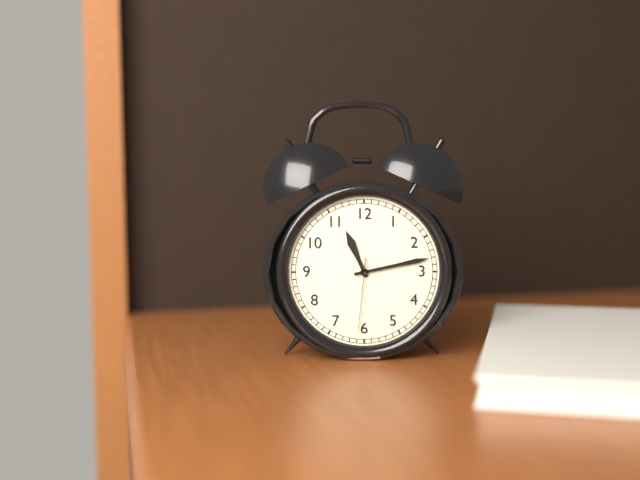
11:13:31
